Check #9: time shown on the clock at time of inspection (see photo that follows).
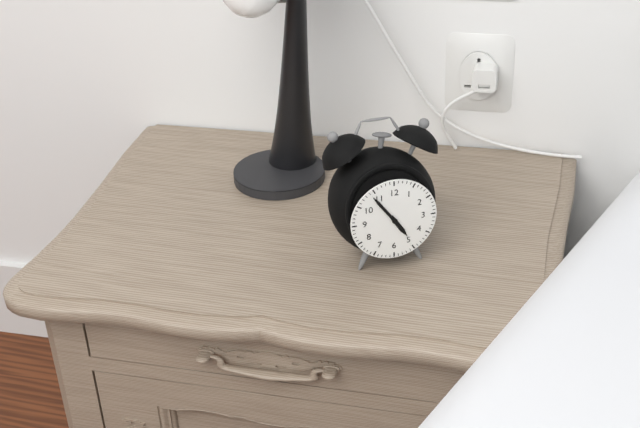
4:54
